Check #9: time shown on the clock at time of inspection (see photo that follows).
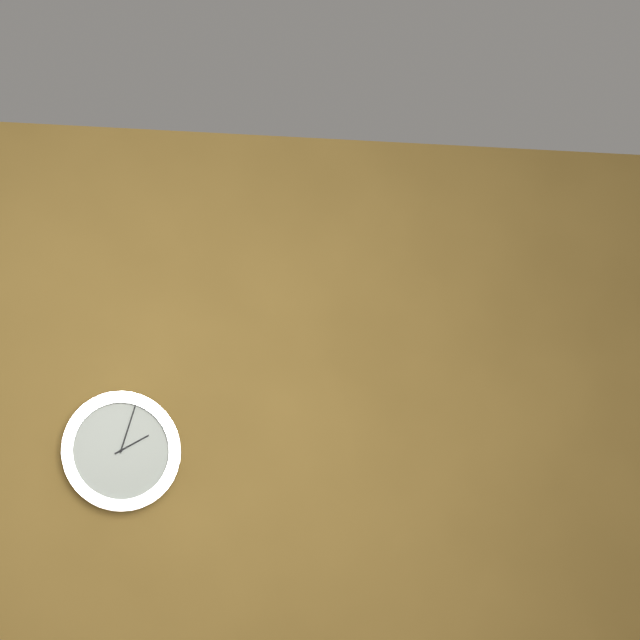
2:03
